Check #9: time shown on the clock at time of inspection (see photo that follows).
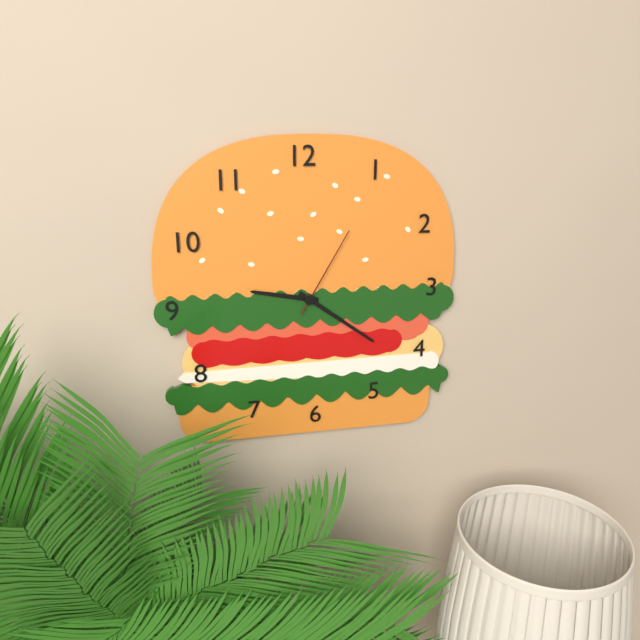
9:21:05
